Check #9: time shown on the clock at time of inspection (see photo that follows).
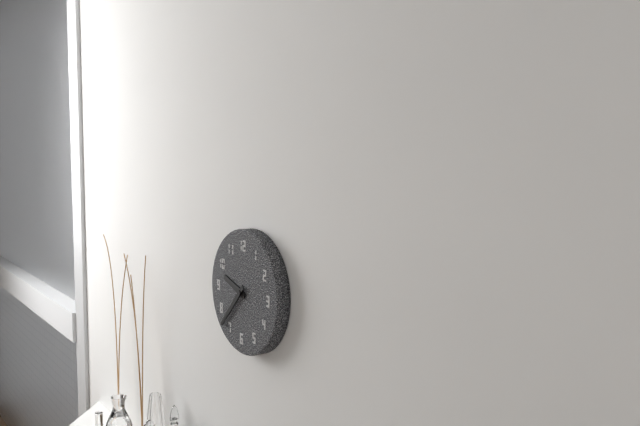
9:37
